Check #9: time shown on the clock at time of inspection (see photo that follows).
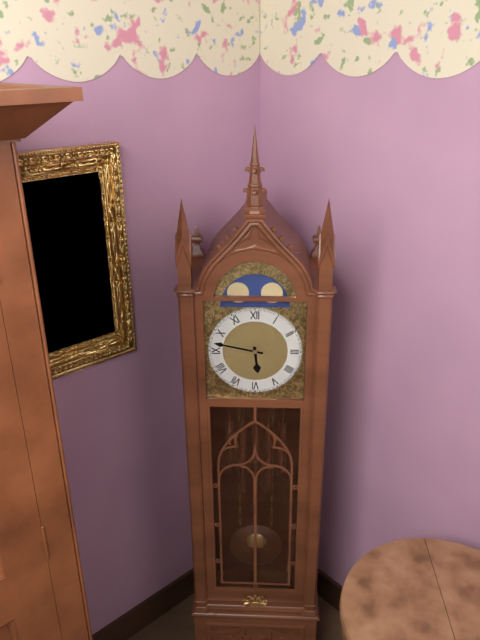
5:47
